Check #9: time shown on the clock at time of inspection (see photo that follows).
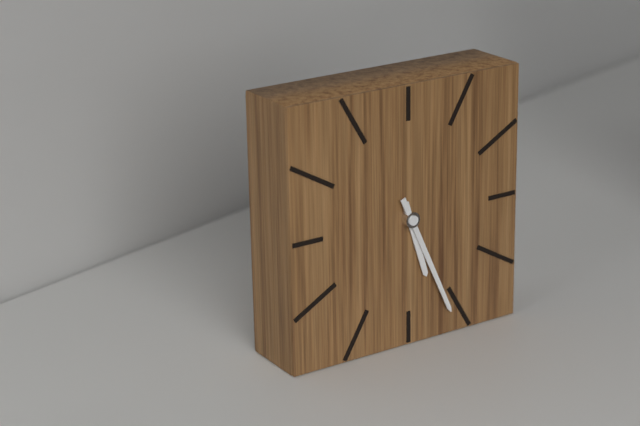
5:26
